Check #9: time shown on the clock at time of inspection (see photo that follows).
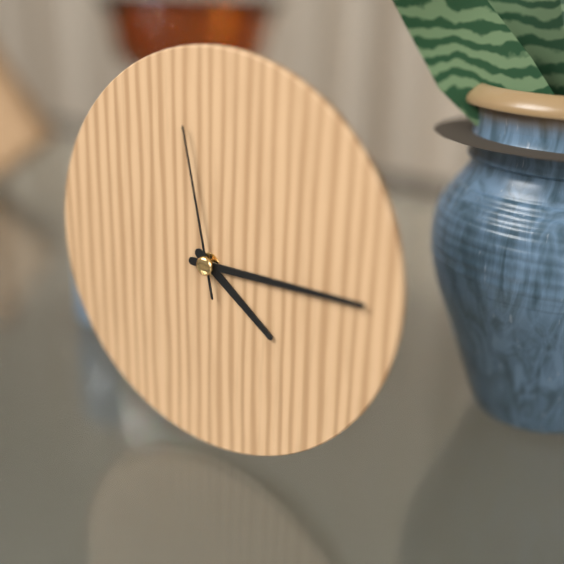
4:15:58
